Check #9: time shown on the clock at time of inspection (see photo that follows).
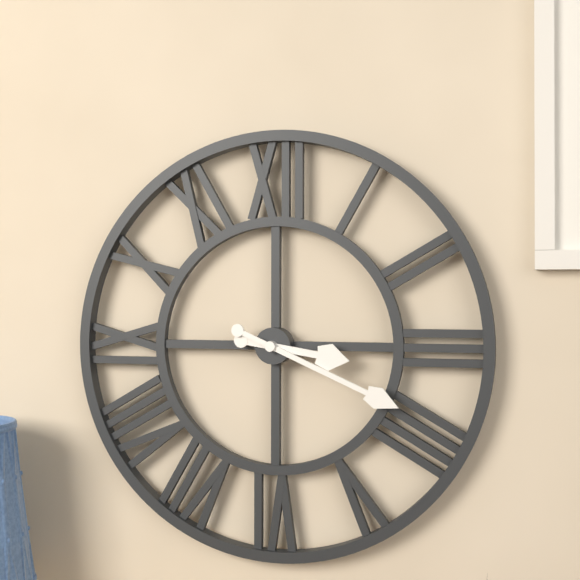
3:19
